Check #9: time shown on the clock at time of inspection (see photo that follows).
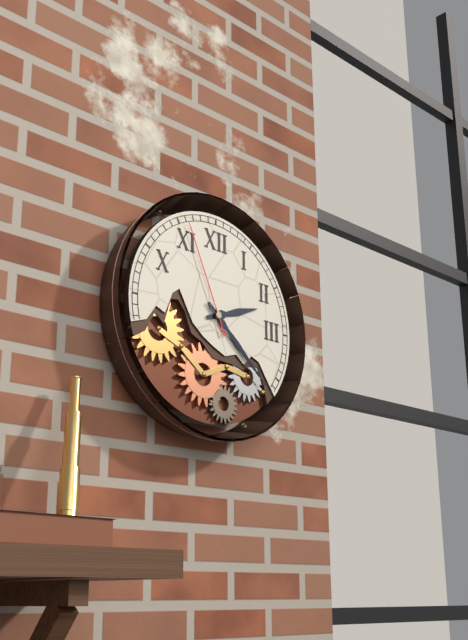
2:22:56
